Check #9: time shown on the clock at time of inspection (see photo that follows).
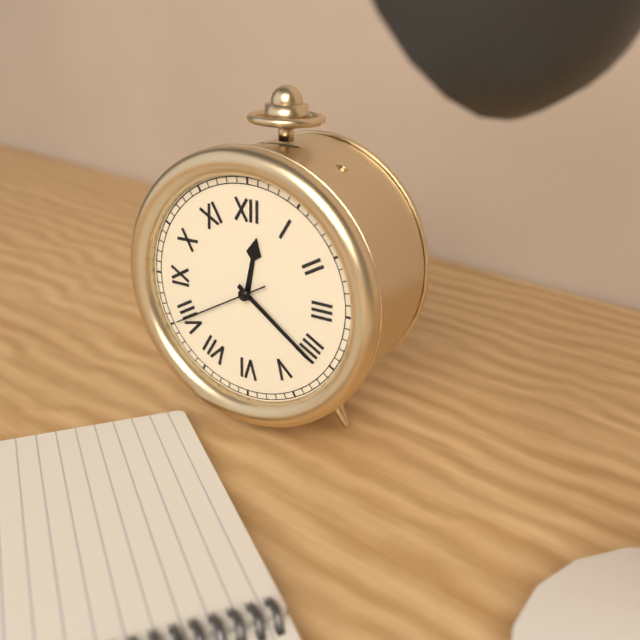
12:21:40
